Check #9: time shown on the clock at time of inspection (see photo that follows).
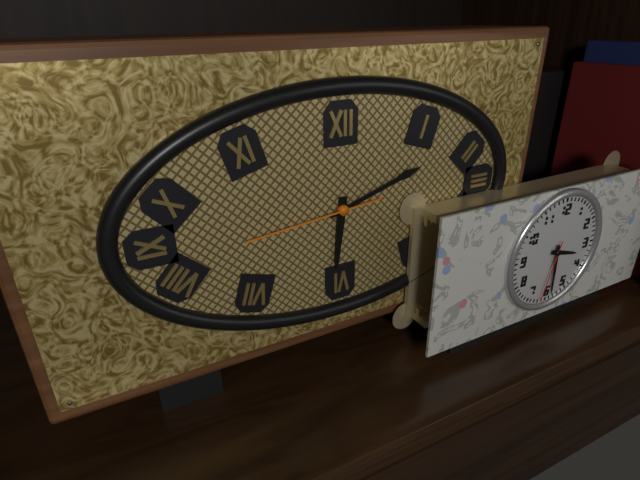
6:12:44
